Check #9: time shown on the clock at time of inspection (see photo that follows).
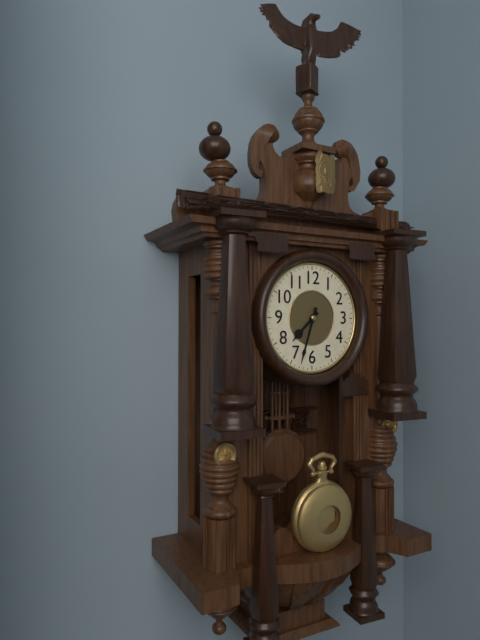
7:33
